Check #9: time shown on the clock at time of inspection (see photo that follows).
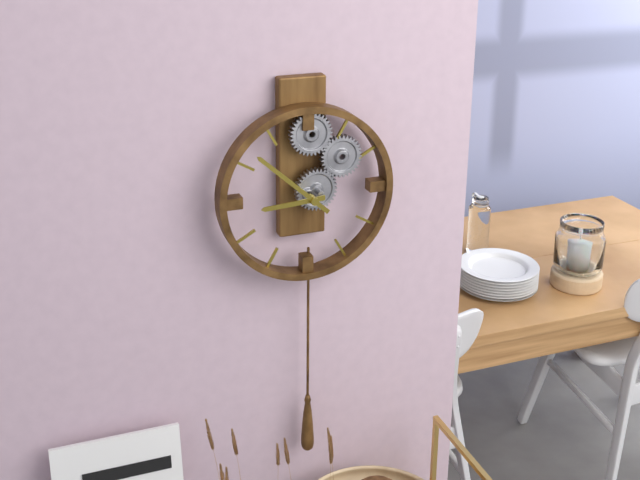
8:52
